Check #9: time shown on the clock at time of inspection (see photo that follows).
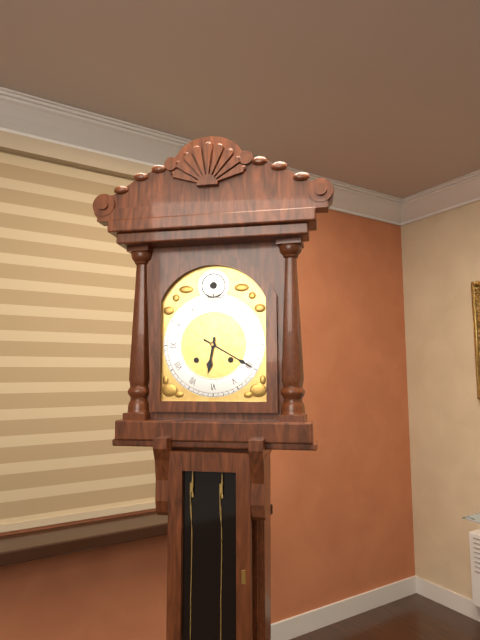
6:20
